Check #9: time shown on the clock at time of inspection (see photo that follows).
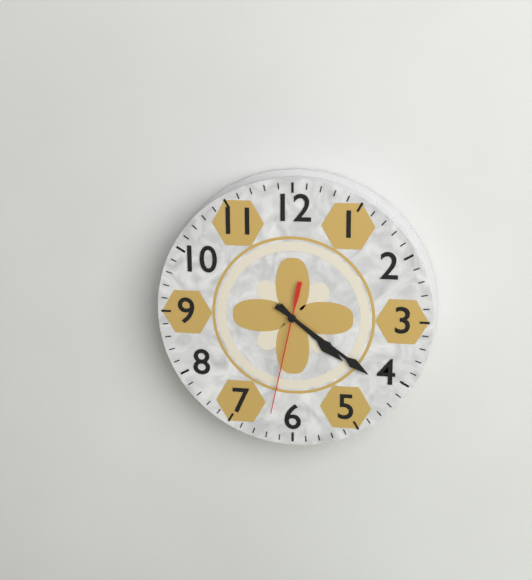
4:21:32
